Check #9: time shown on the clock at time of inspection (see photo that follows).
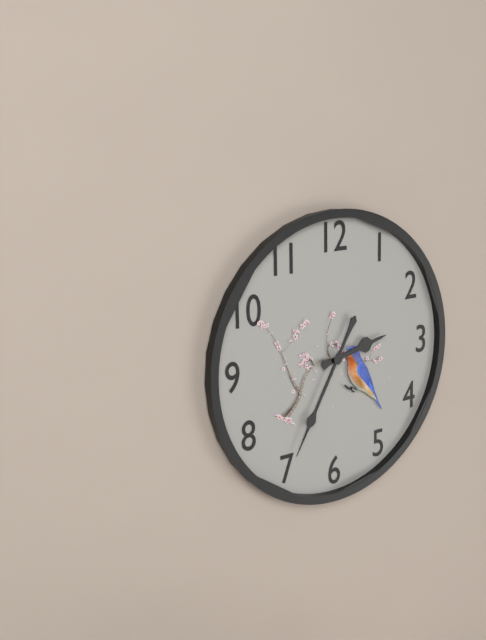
2:35
